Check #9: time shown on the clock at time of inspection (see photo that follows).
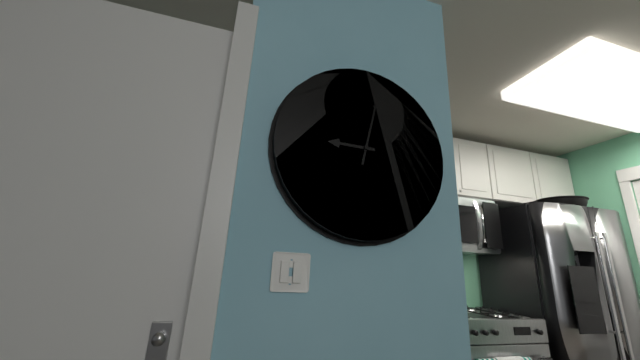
9:02
